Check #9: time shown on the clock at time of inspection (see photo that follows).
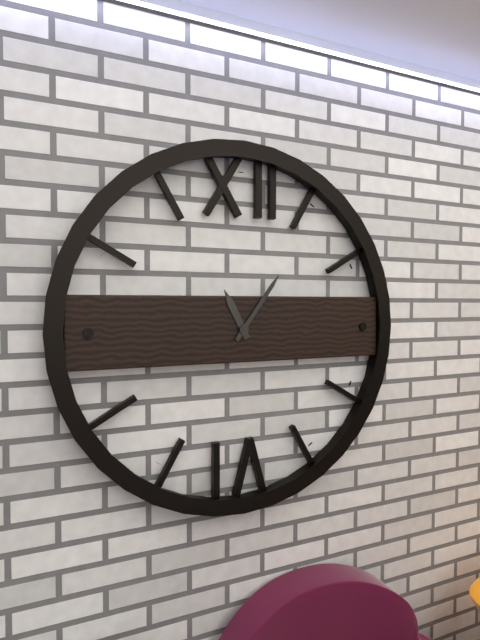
11:06
